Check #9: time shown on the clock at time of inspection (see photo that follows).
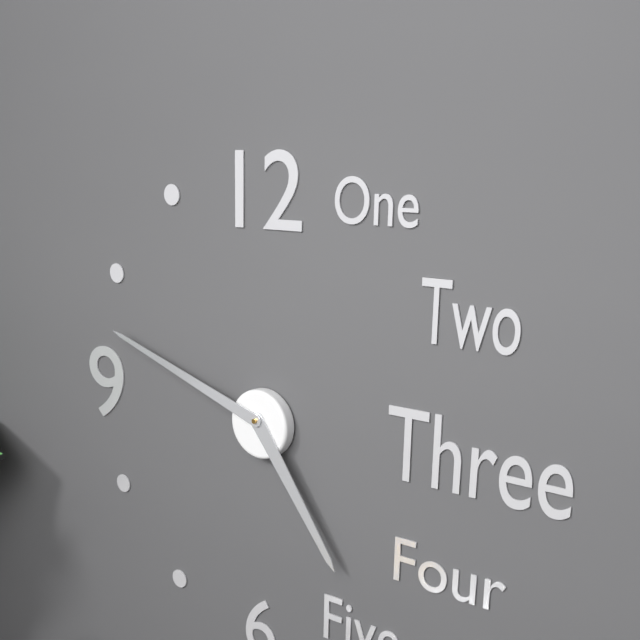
4:48
